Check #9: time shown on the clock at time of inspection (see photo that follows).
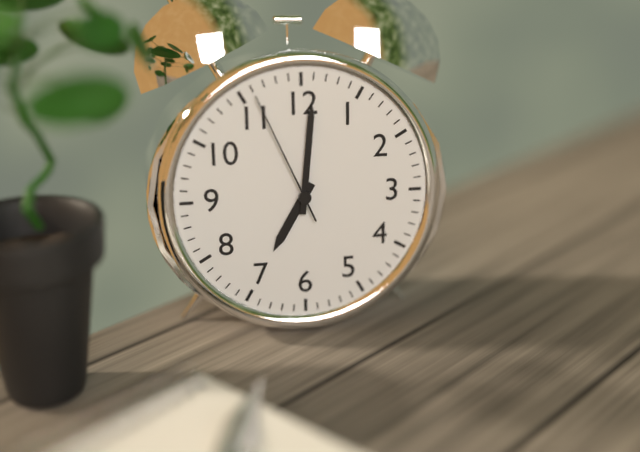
7:01:56
